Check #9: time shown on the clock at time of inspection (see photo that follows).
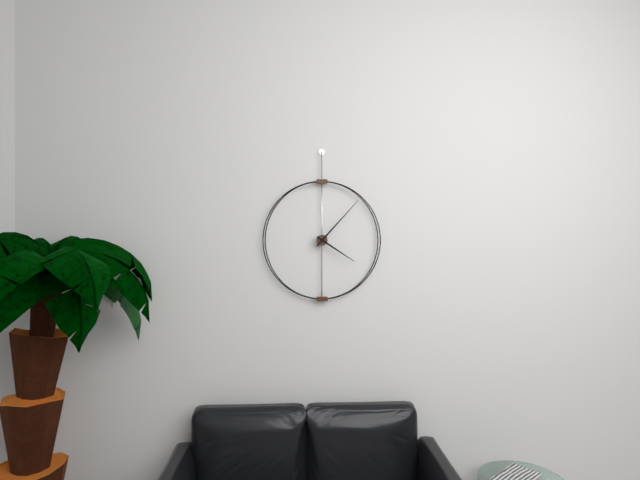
4:07
